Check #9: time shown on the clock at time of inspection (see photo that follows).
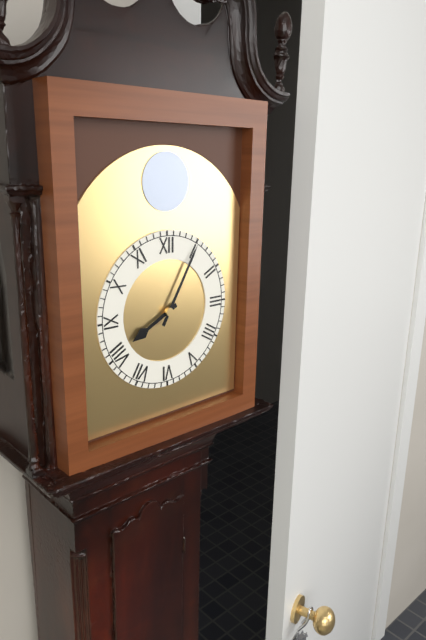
8:05
